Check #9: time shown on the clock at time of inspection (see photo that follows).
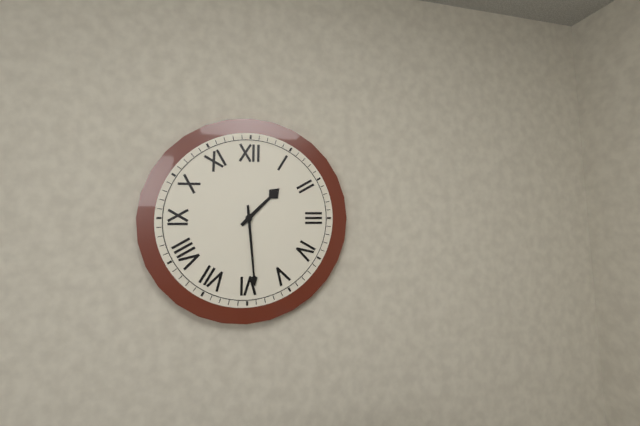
1:29
